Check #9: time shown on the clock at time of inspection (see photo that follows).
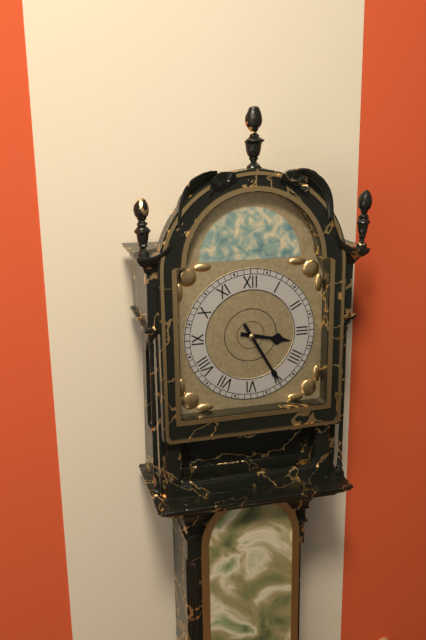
3:25
